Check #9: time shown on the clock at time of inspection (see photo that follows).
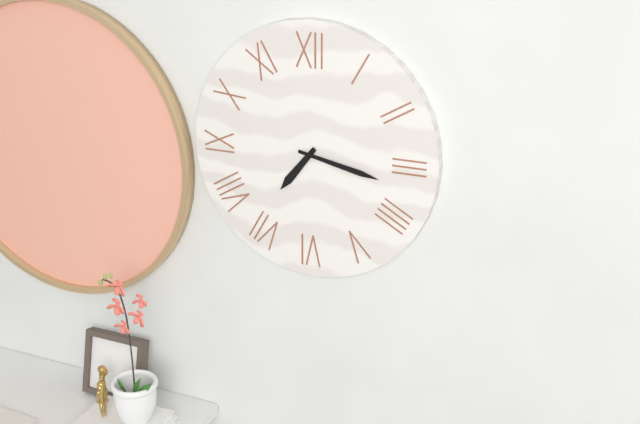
7:17
